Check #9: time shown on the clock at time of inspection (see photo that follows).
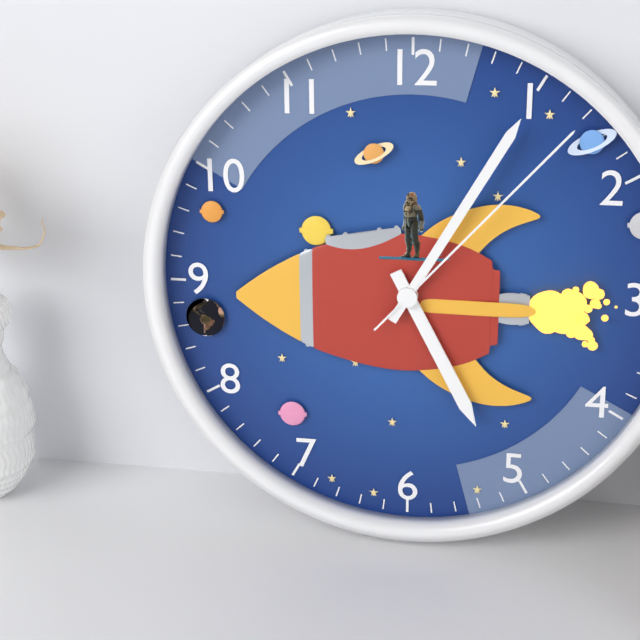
5:05:07
